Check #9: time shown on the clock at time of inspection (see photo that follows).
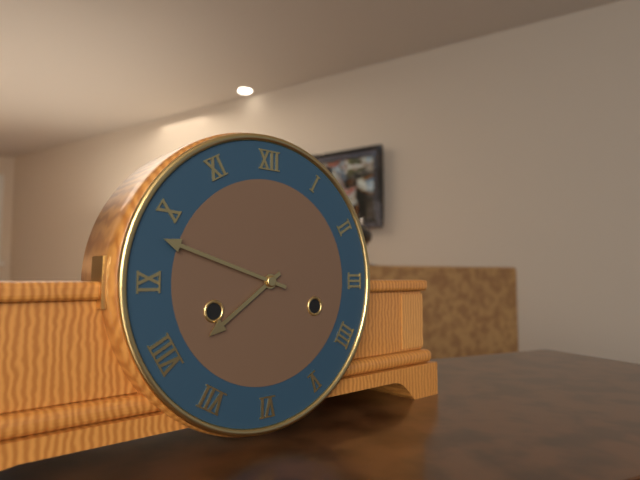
7:48
